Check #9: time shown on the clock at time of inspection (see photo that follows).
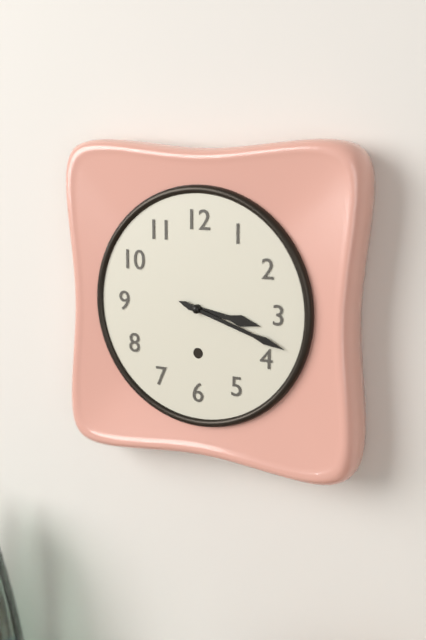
3:18
